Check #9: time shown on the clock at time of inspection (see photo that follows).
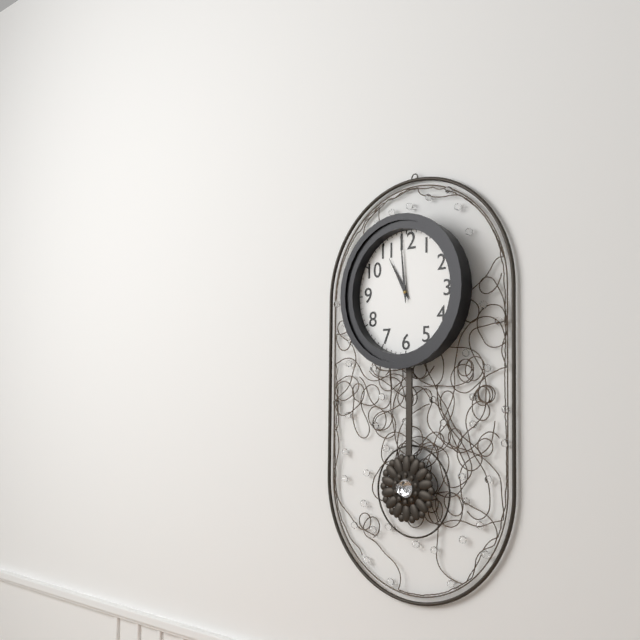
10:59
